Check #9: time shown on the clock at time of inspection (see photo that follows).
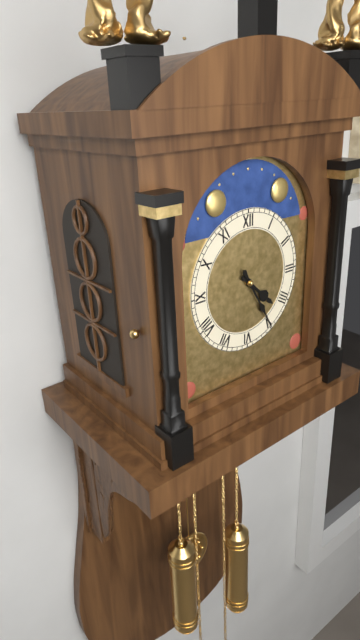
4:25
